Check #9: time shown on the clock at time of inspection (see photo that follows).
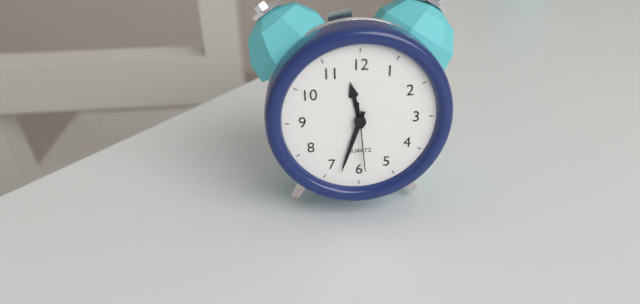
11:33:29
